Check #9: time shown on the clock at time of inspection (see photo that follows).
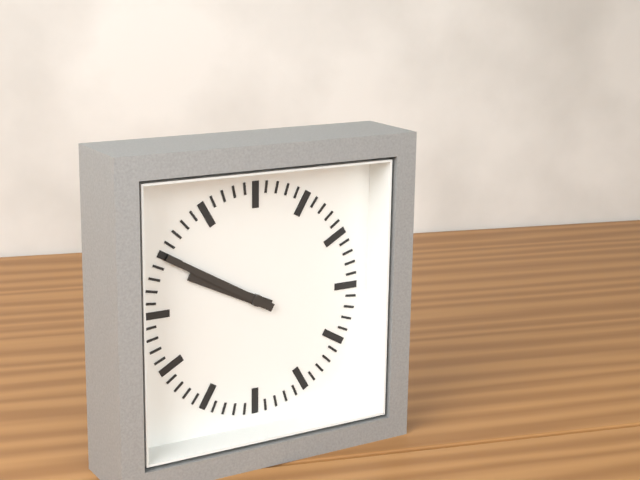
9:50
